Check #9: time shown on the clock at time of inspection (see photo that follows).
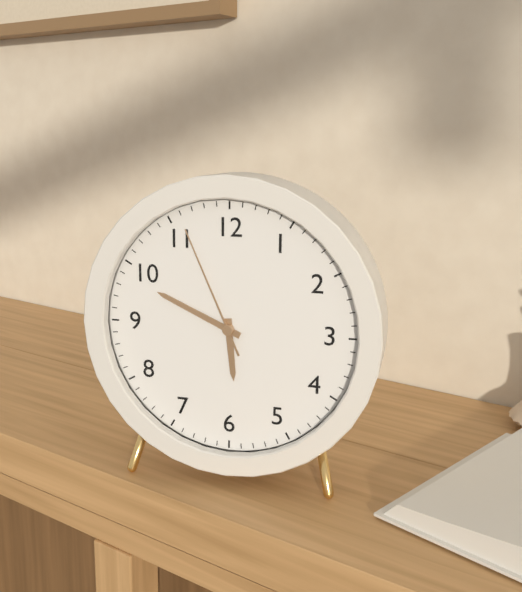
5:49:56
